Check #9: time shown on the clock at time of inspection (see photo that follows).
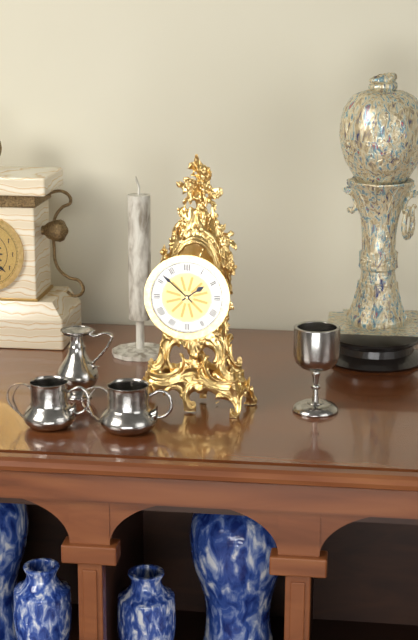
1:52
